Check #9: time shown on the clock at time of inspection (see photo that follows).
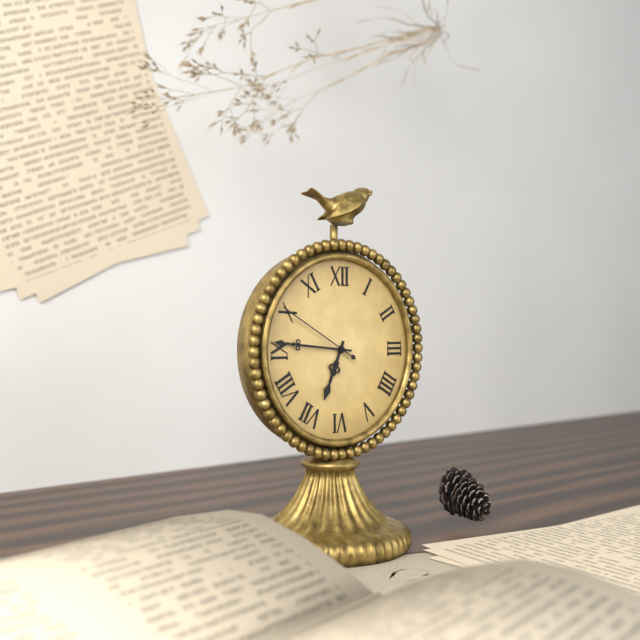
6:46:50
